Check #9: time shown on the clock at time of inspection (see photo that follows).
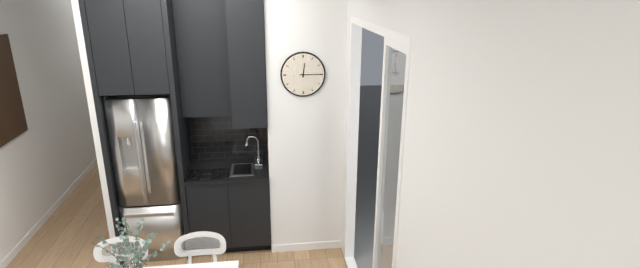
12:15
